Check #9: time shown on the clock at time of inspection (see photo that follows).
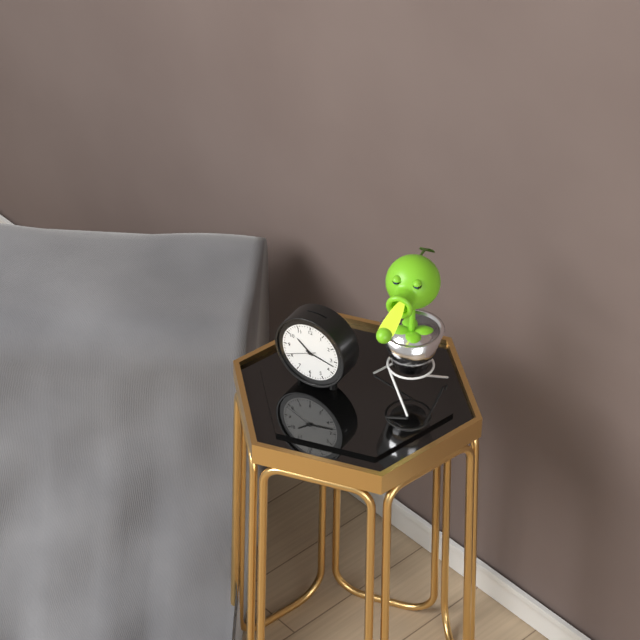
10:17
